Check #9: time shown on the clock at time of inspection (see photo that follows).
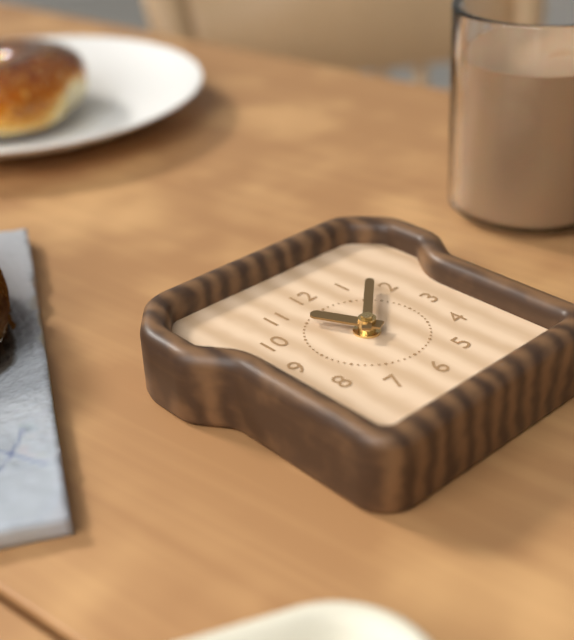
11:08
